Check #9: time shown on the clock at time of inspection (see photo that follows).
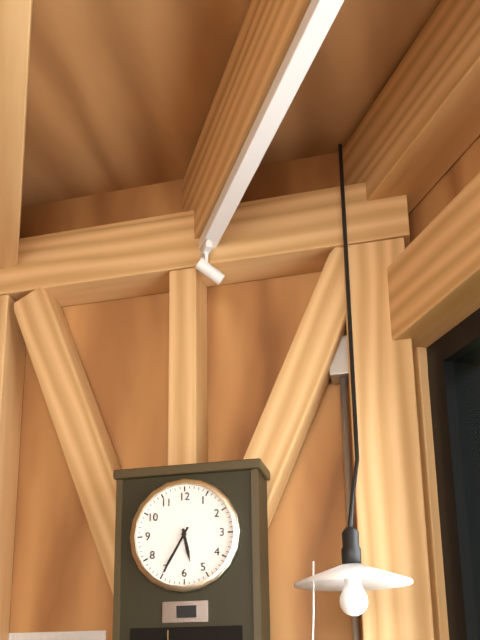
5:35
